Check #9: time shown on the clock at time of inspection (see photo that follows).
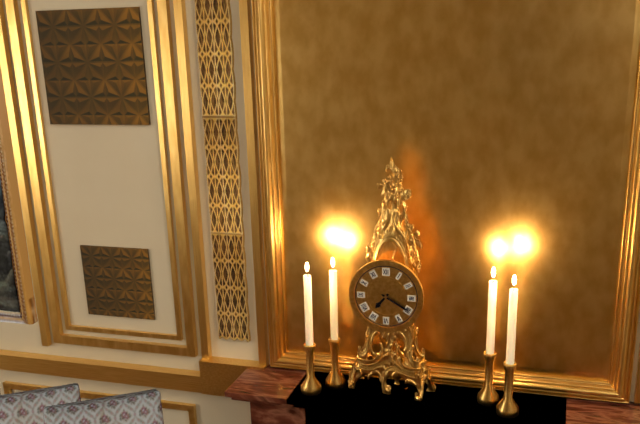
7:20
